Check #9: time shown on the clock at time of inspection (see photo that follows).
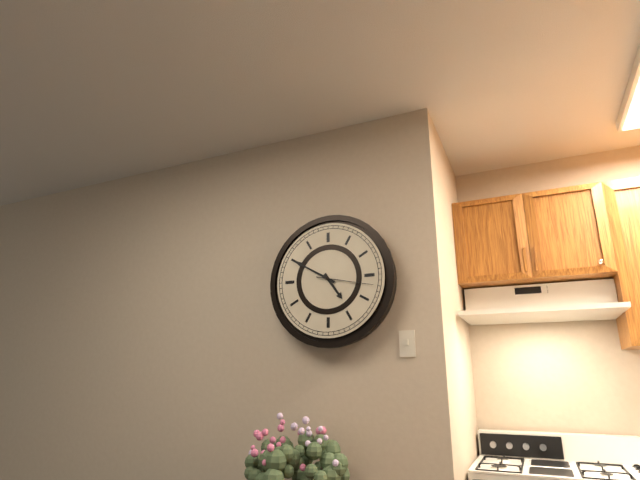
4:50:17
